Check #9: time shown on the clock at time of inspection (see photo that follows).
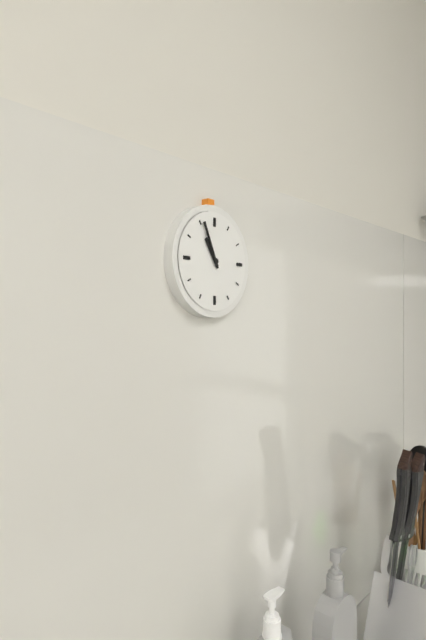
10:56
